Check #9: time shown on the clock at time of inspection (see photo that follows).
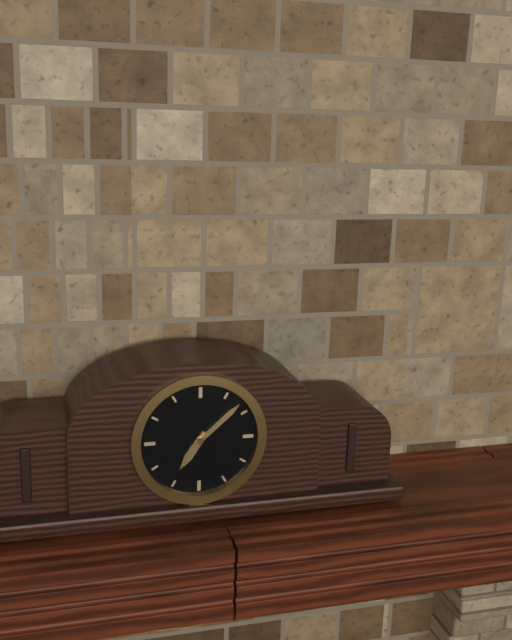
7:08
